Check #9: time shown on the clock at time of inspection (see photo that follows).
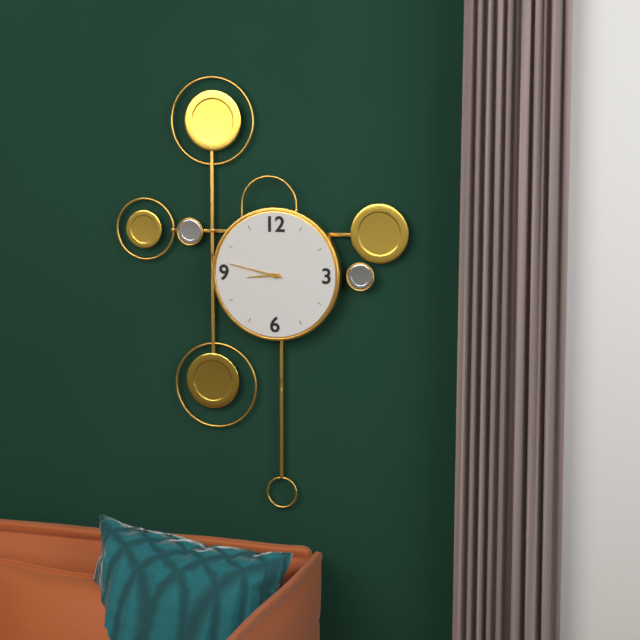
8:47
